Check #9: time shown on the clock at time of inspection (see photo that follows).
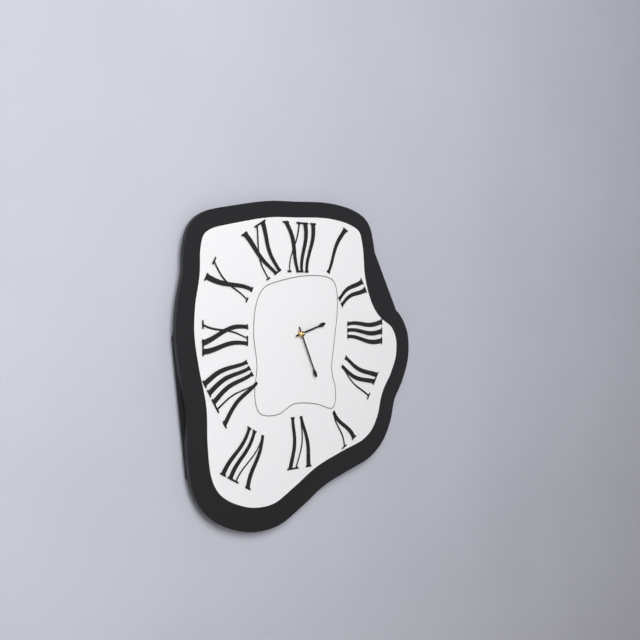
2:26
